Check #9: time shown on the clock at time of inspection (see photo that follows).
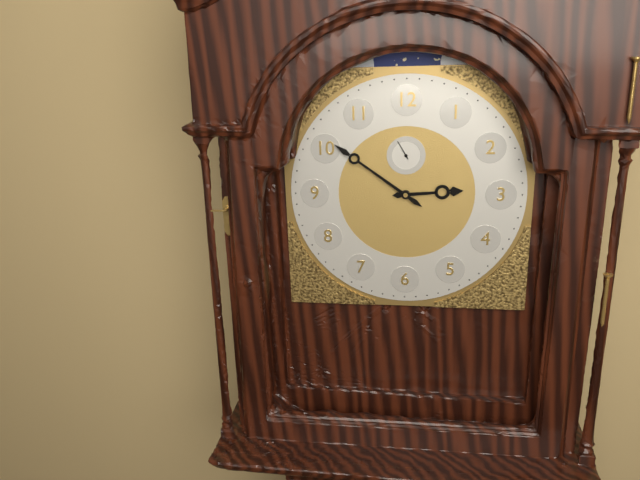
2:51
